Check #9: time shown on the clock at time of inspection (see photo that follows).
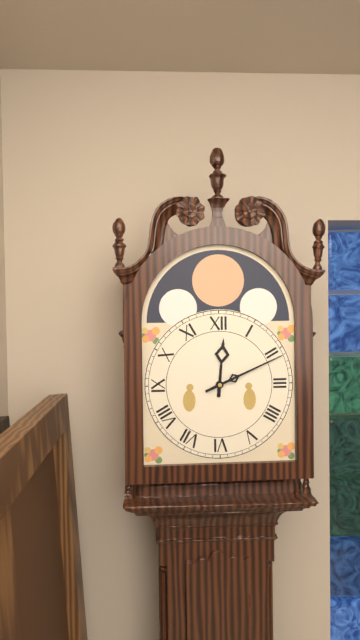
12:11
